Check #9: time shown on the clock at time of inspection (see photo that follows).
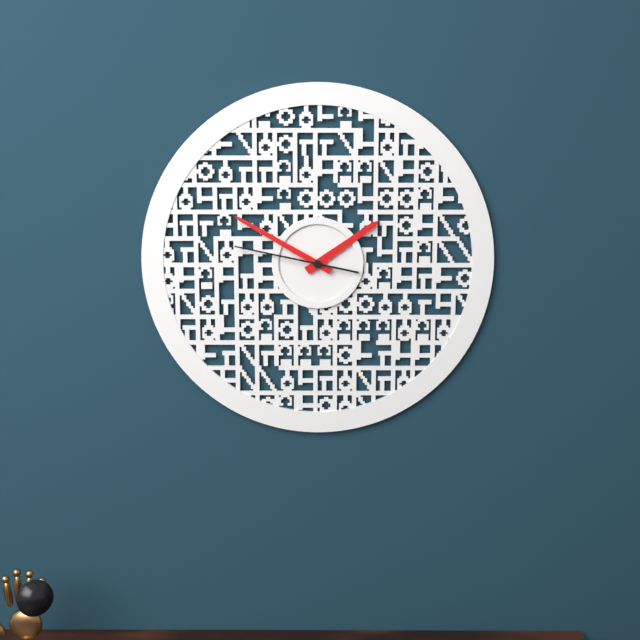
1:50:47
